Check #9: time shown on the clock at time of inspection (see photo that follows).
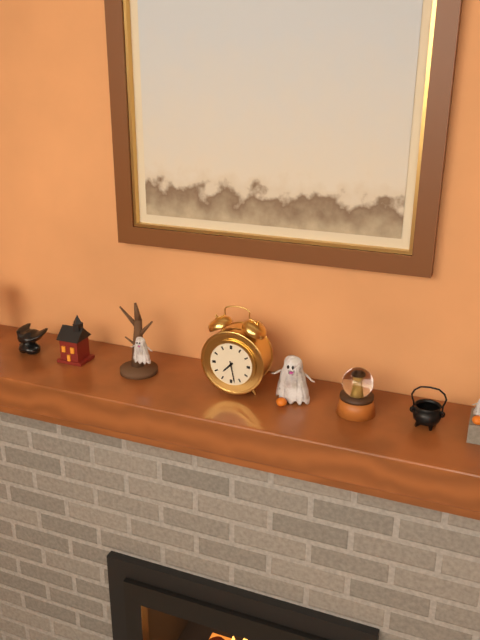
7:28
